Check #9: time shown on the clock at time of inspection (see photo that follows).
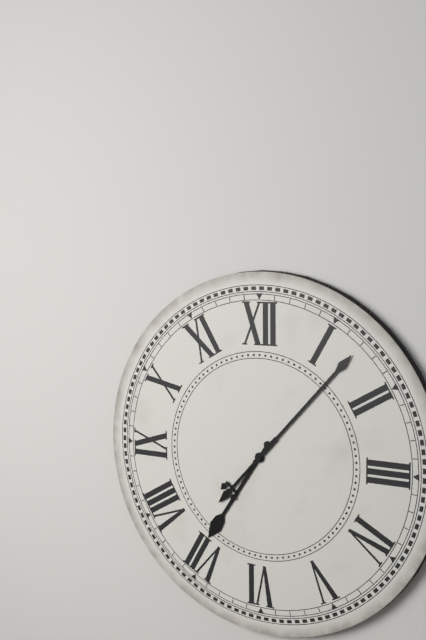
7:07
